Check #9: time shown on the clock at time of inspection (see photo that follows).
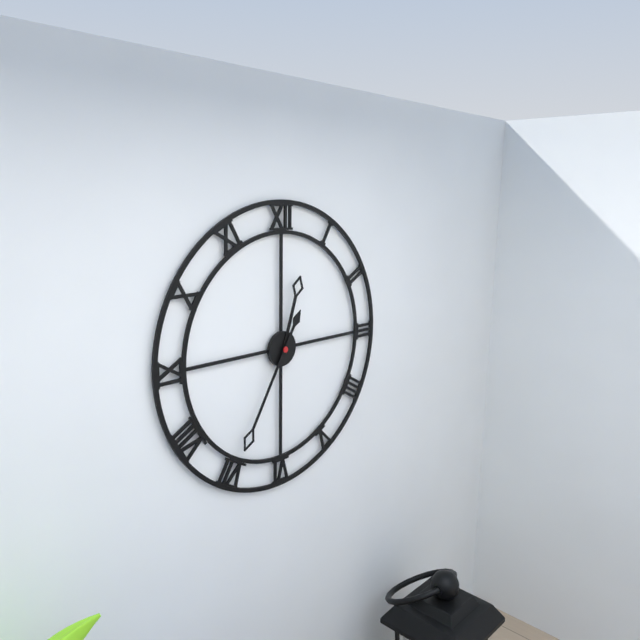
12:35
